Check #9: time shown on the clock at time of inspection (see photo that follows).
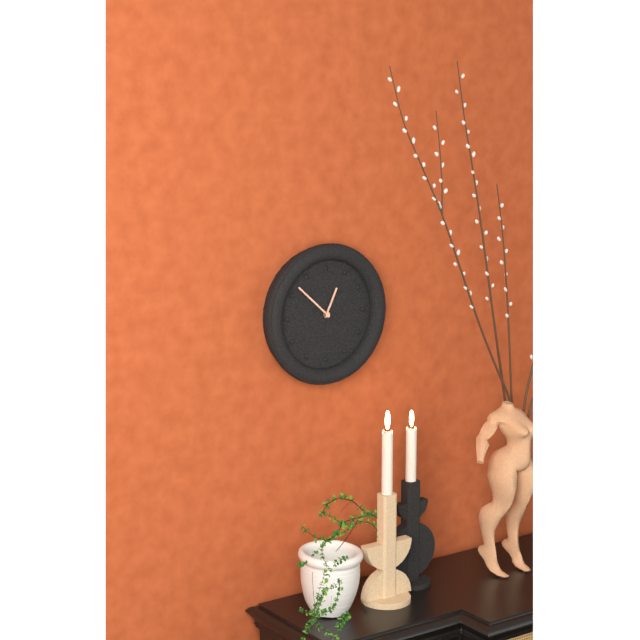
12:52
